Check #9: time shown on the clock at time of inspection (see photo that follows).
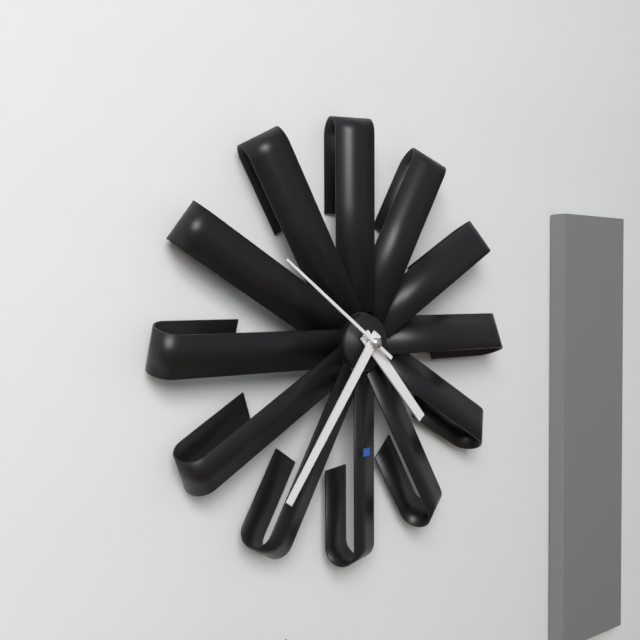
4:36:51
